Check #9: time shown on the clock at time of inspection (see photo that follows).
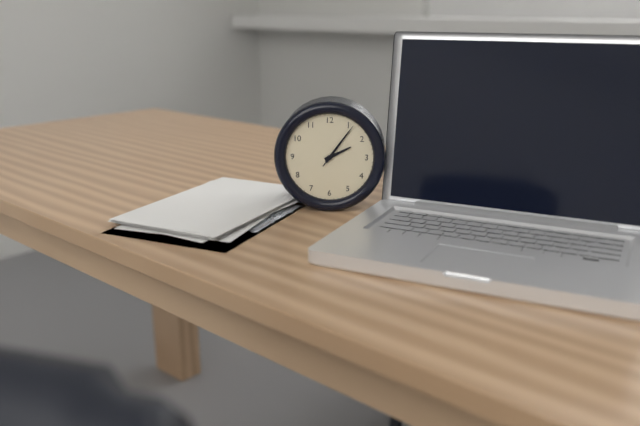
2:06:06
